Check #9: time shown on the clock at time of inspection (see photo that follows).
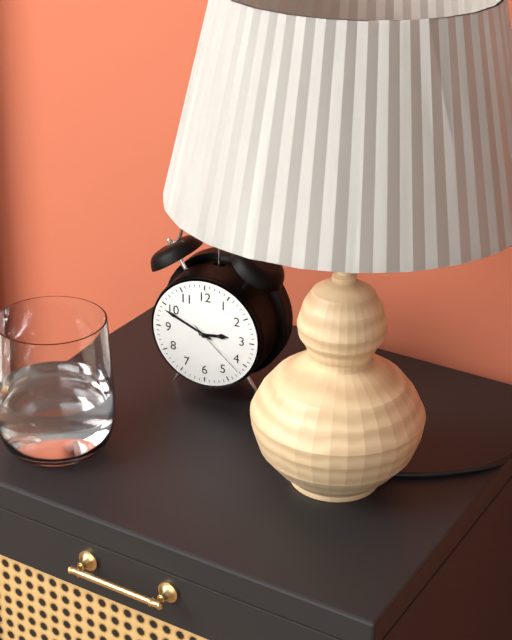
2:49:22
